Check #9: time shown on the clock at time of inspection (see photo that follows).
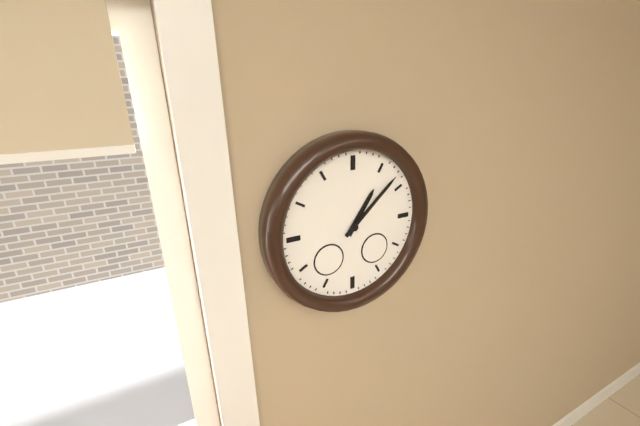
1:08
